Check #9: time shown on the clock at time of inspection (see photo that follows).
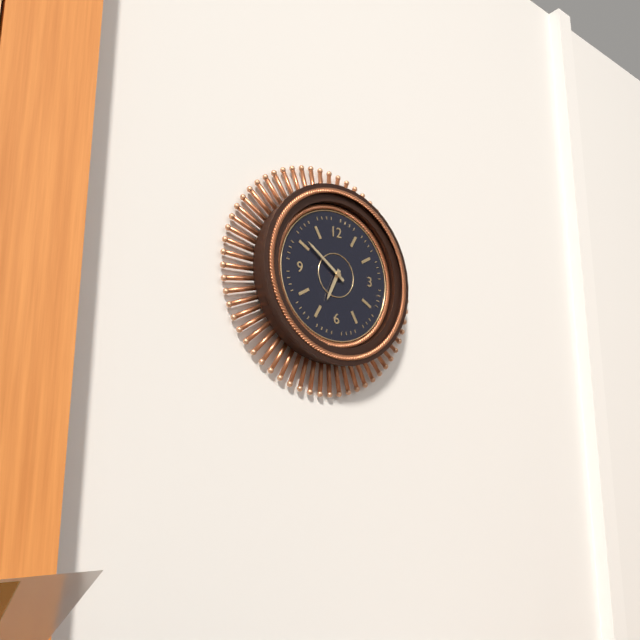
6:51
